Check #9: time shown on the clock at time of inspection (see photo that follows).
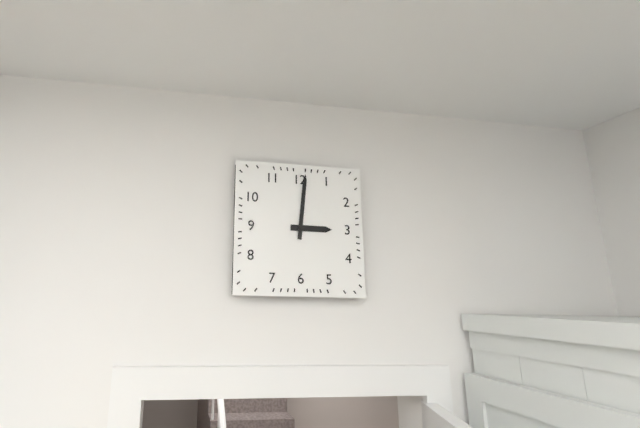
3:01
